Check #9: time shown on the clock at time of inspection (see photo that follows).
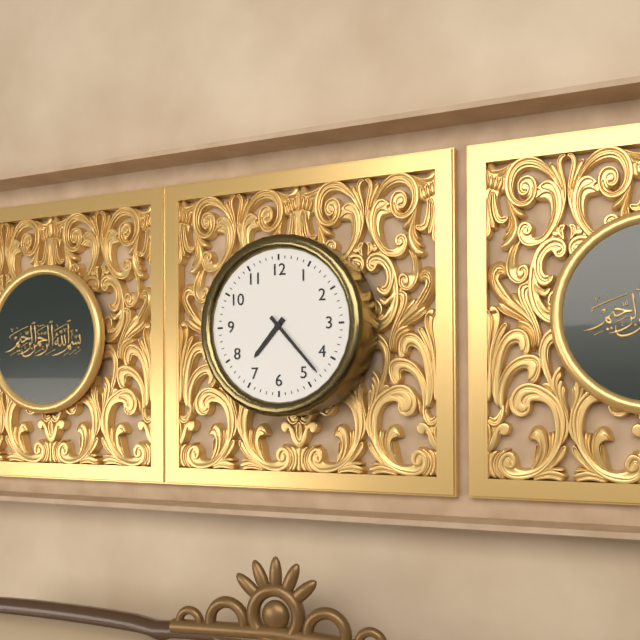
7:23
